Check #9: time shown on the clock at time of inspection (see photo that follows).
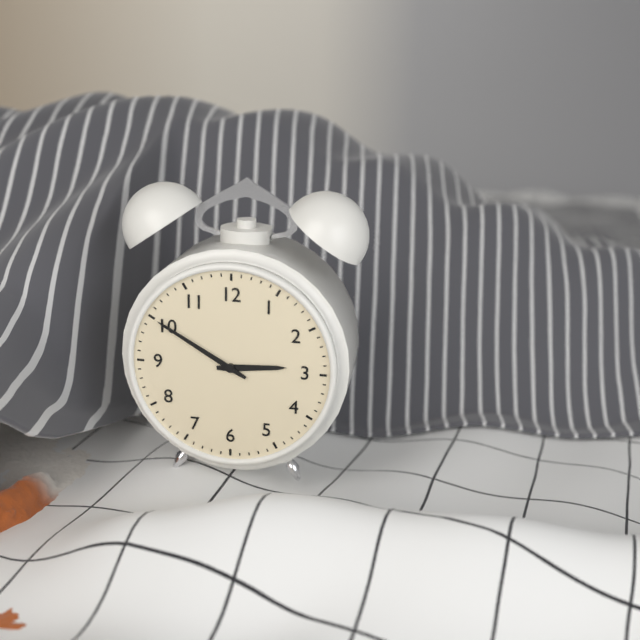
2:50
